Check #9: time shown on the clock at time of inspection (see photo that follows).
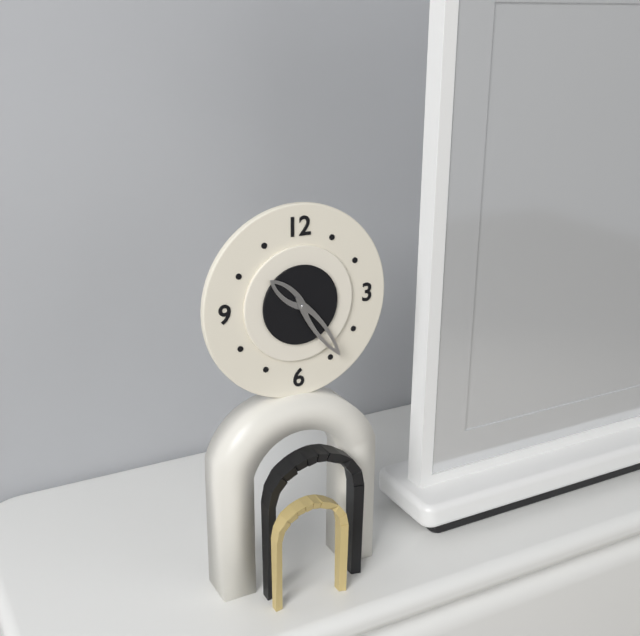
10:24
